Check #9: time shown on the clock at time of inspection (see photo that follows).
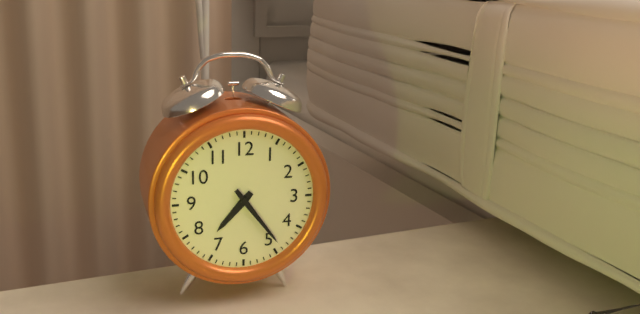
7:24
